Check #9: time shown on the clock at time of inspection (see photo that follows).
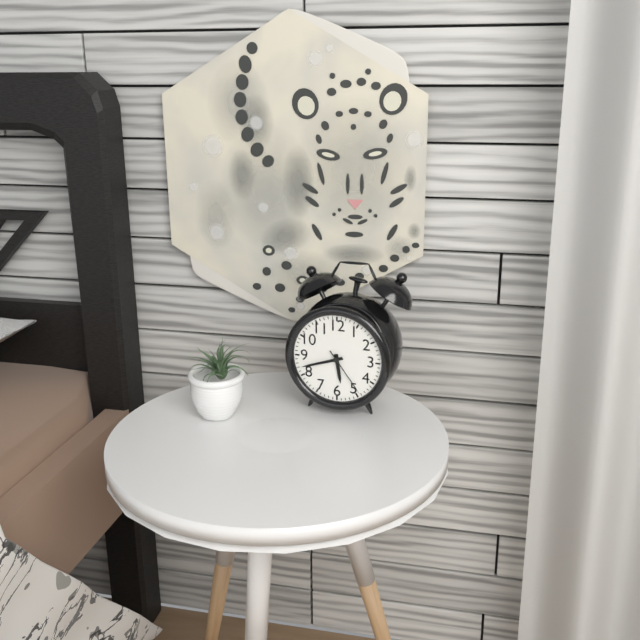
5:42:24
